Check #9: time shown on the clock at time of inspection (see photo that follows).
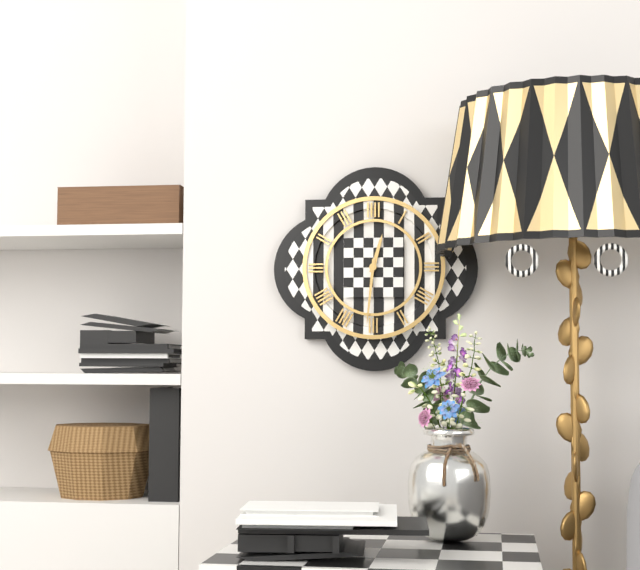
12:31
